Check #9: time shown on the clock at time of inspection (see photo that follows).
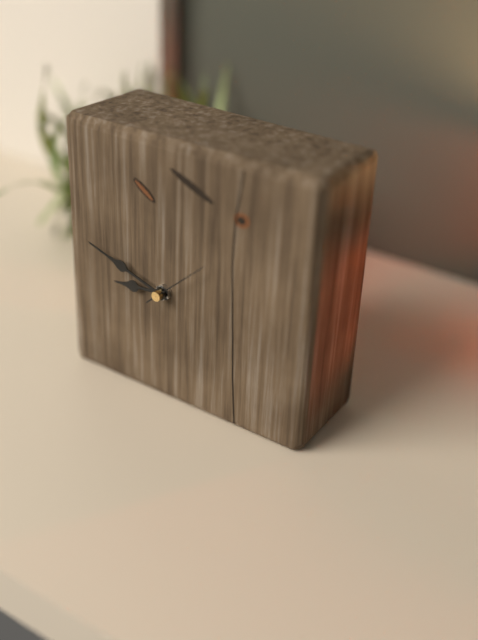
8:48:08
